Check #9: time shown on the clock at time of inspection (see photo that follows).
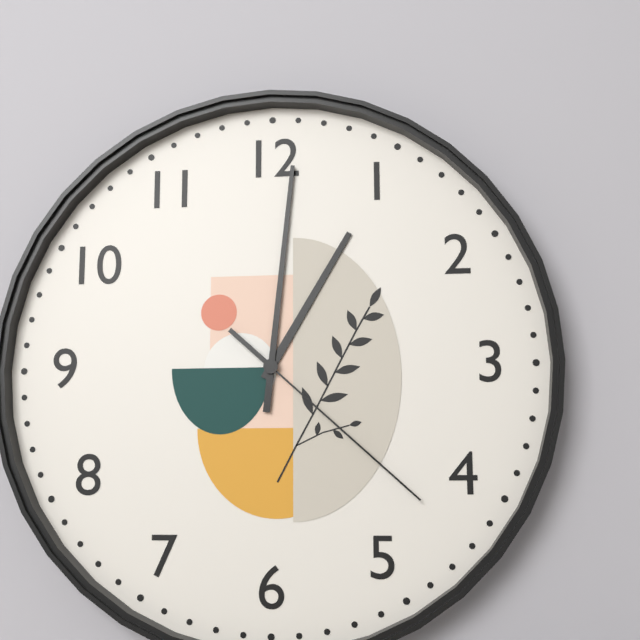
1:01:22
